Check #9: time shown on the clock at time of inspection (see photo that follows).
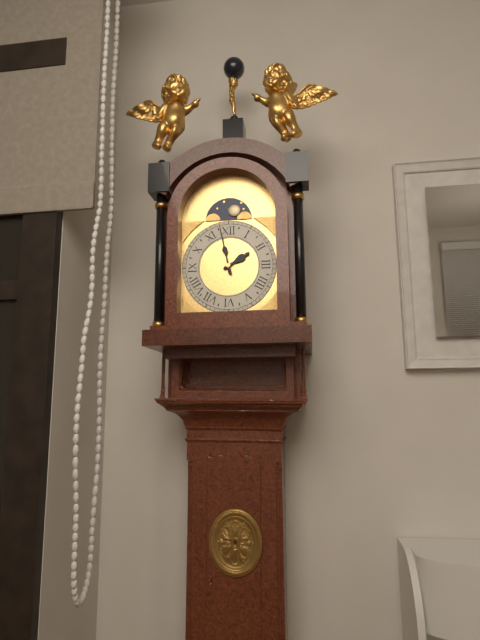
1:58
